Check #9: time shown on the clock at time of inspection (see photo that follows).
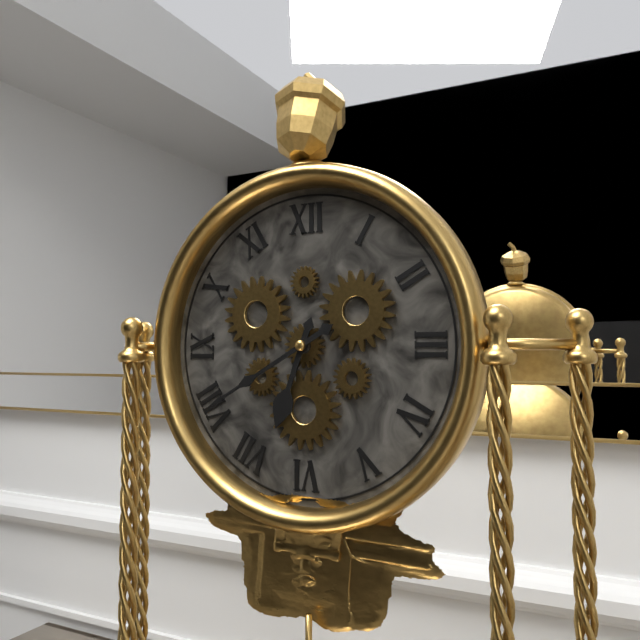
6:40
